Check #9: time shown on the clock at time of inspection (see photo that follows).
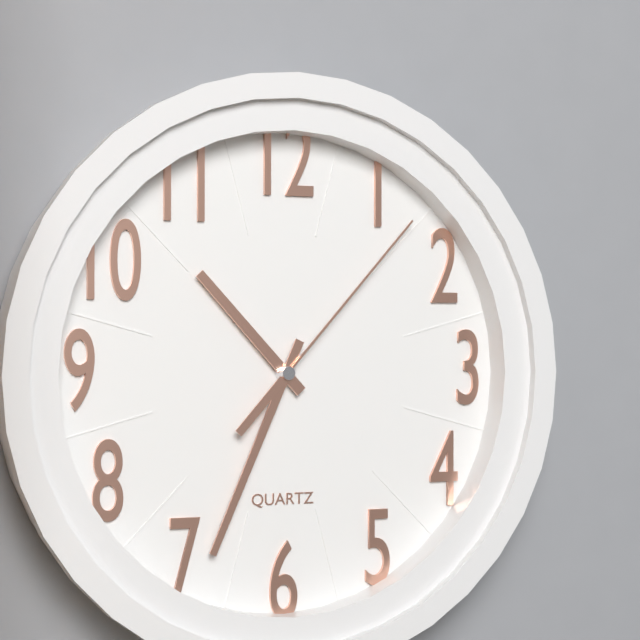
10:34:07
